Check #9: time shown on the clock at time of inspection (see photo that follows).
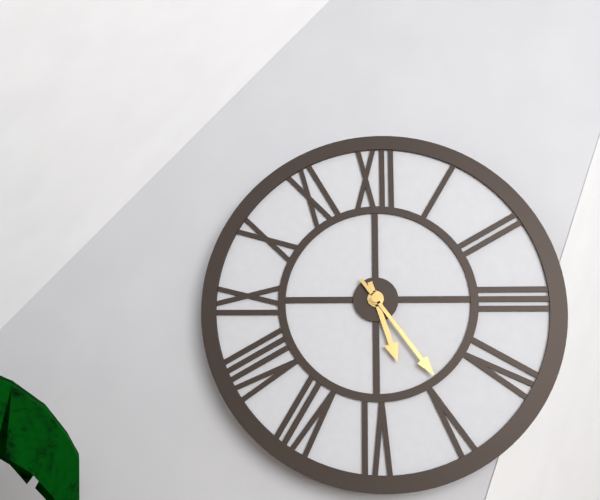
5:24
